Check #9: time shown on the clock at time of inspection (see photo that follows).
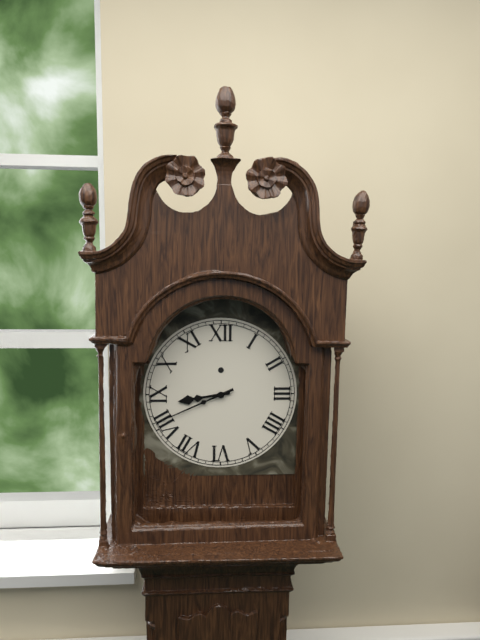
8:41
